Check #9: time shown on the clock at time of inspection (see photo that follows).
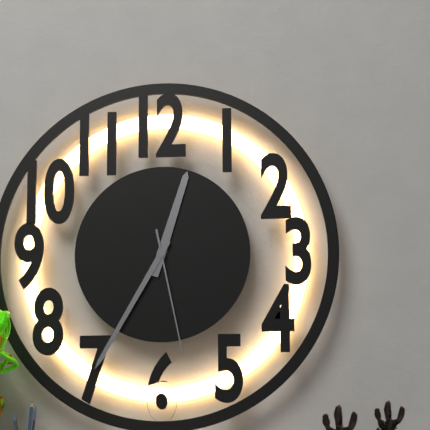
12:35:28
